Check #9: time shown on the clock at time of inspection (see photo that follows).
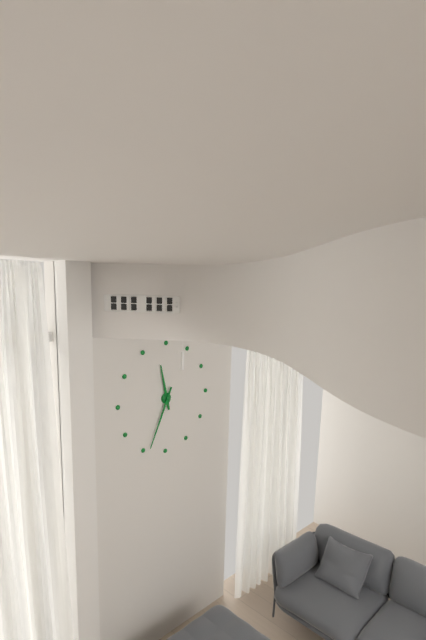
11:34
